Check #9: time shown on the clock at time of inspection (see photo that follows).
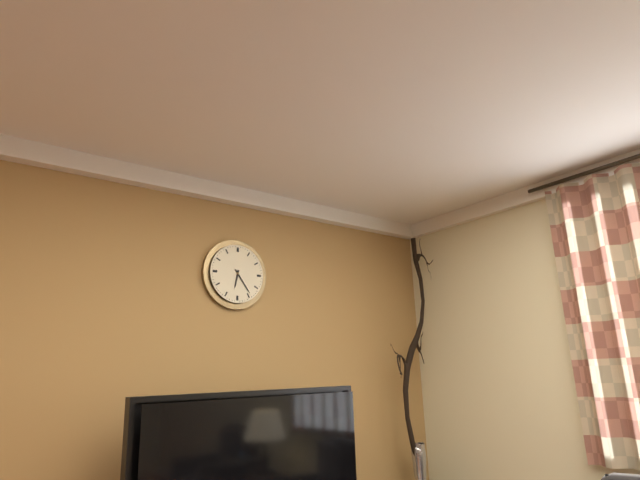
6:24
